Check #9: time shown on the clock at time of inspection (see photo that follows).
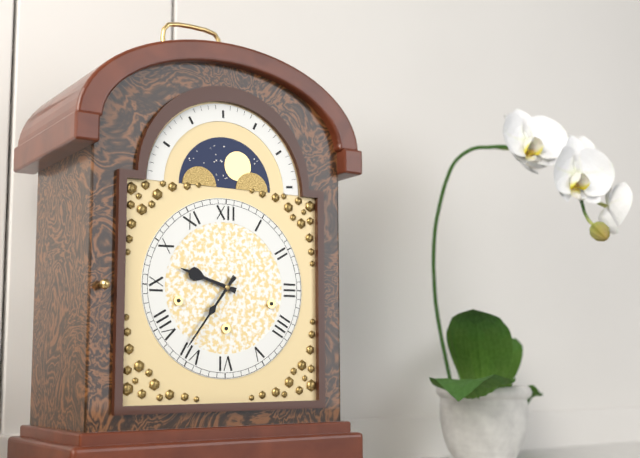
9:36
